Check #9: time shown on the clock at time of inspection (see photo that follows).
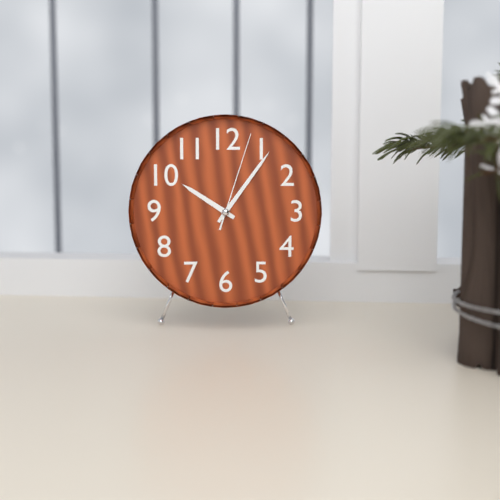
10:06:03
